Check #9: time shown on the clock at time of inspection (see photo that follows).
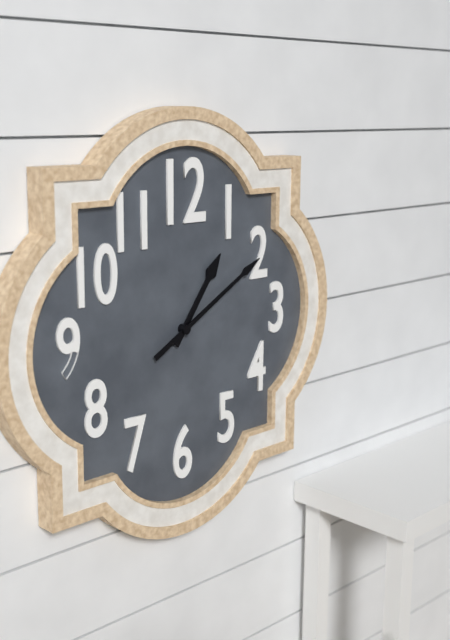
1:10
